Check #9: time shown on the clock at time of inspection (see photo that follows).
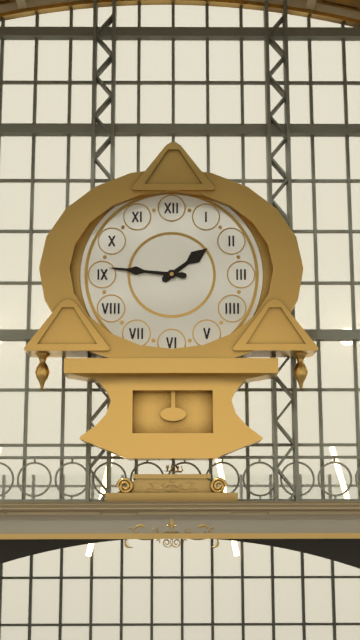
1:46
